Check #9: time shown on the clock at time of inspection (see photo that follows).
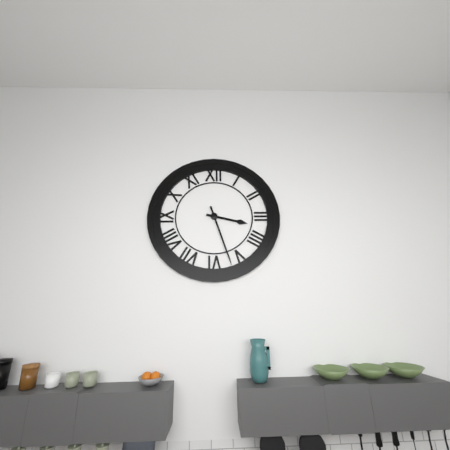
3:27
